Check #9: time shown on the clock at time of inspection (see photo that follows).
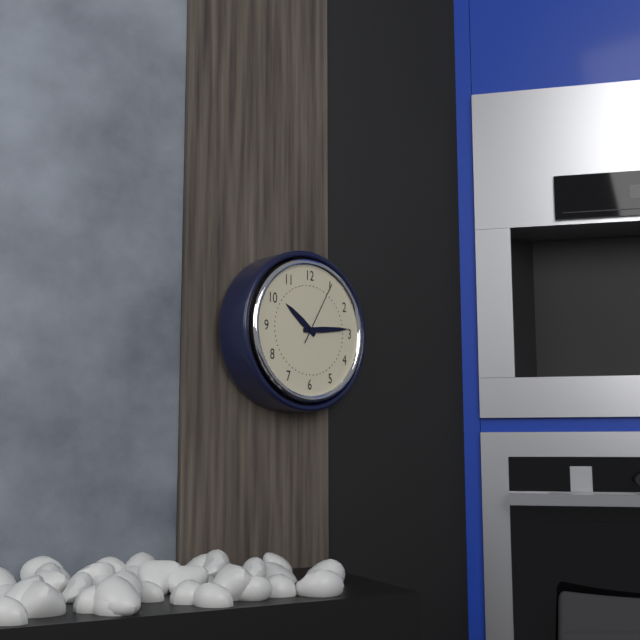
10:14:05
